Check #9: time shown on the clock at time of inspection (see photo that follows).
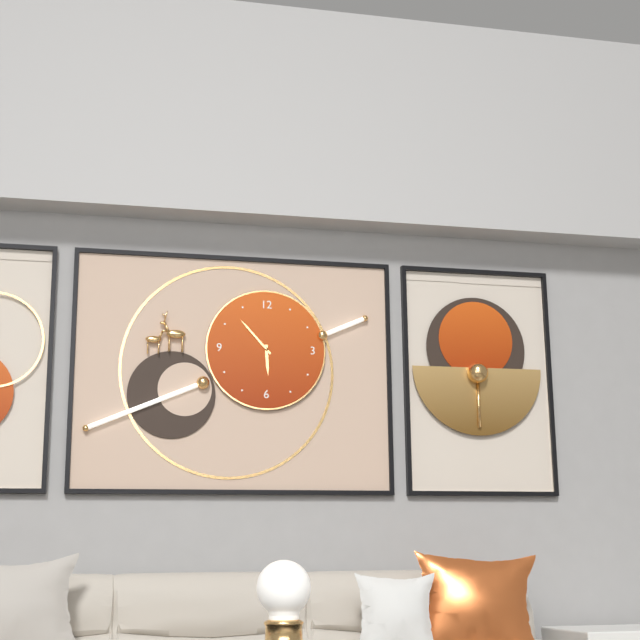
5:53
